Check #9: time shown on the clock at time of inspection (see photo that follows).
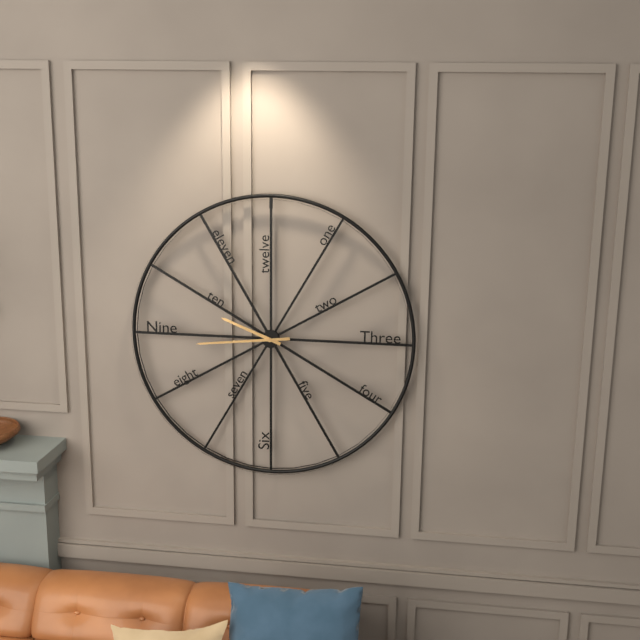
9:44
